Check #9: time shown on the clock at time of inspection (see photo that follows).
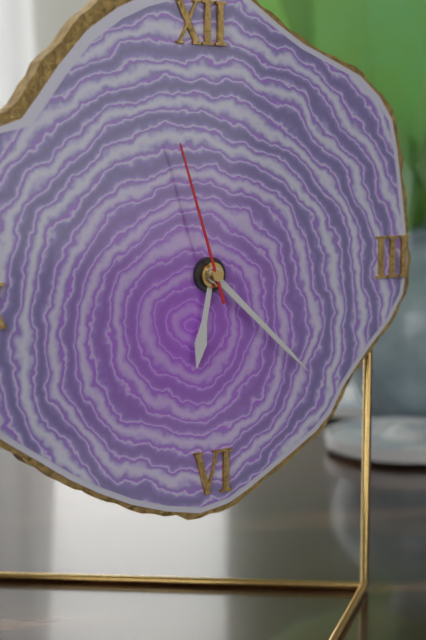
6:22:57
